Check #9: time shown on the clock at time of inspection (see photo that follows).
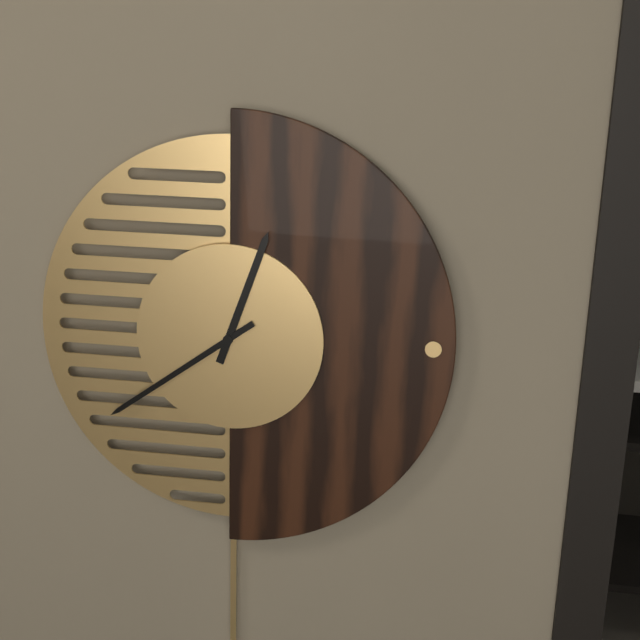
12:39
